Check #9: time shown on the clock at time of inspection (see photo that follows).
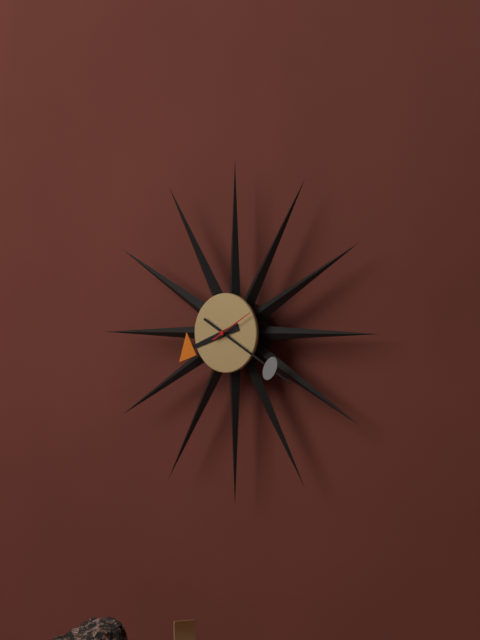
8:20
